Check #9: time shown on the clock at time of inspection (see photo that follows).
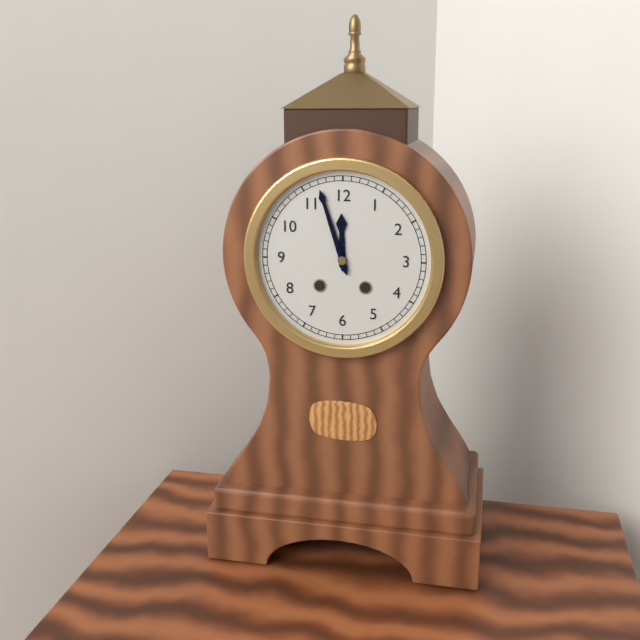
11:57
